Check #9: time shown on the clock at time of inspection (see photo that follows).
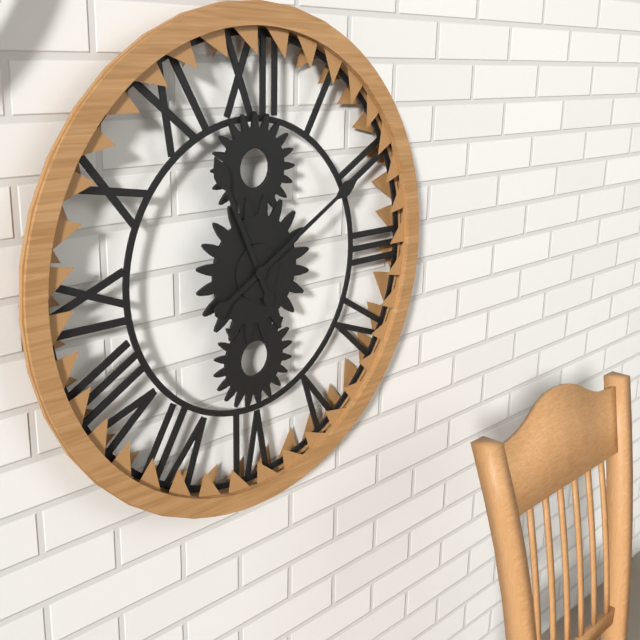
11:10
